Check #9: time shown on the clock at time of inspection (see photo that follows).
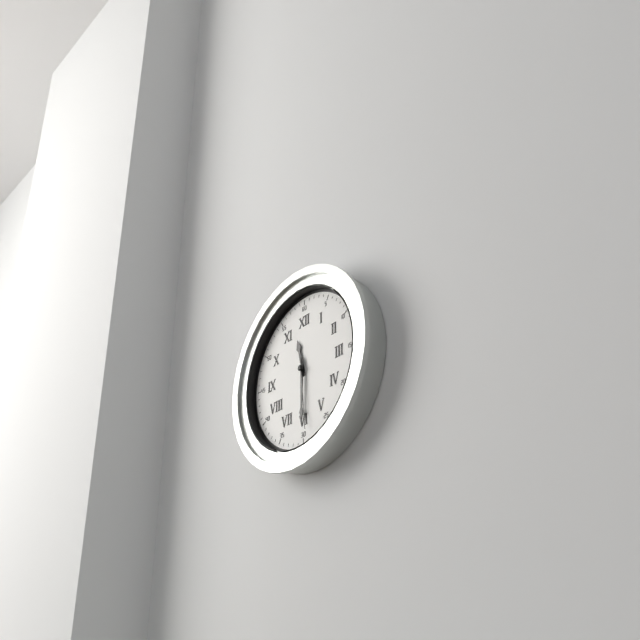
11:30:29
